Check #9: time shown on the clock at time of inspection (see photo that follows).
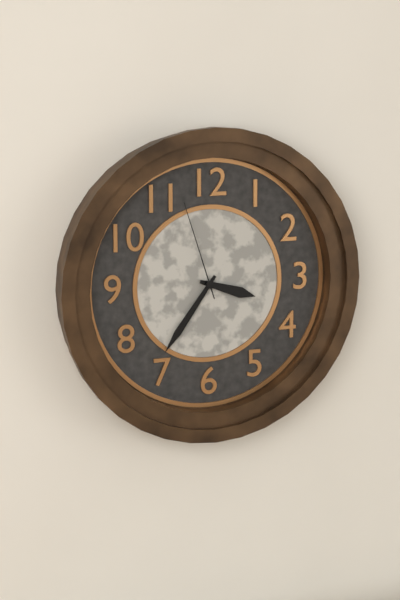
3:36:57
